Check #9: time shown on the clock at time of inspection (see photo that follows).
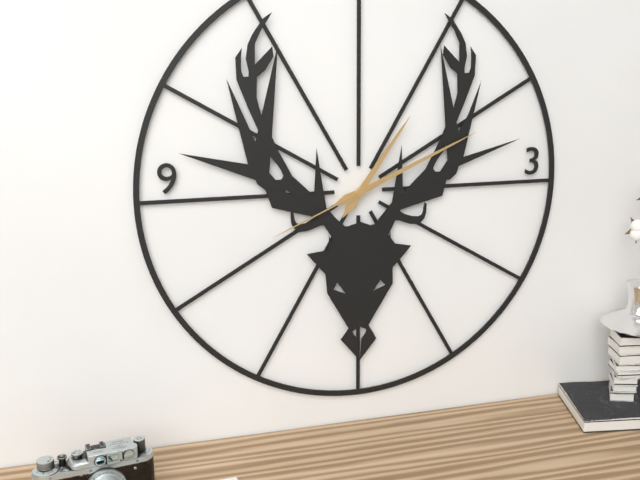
1:11:41
